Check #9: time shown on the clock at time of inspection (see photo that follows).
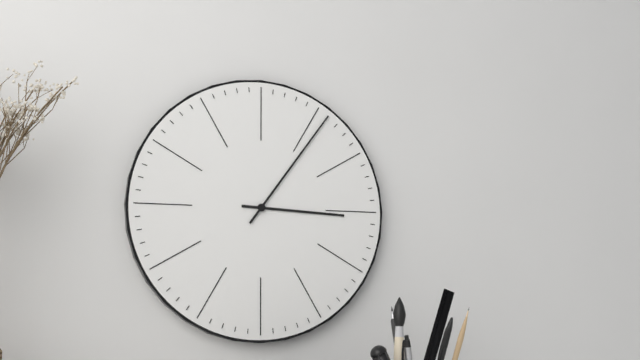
3:06
